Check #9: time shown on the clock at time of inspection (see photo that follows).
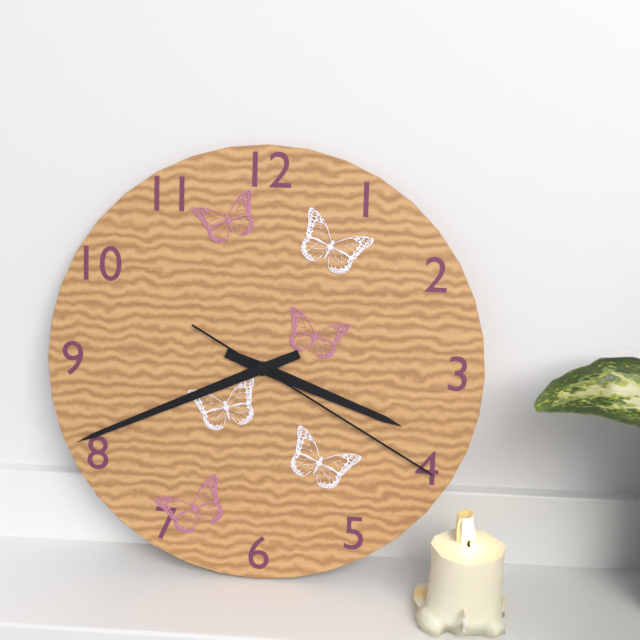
3:41:20
